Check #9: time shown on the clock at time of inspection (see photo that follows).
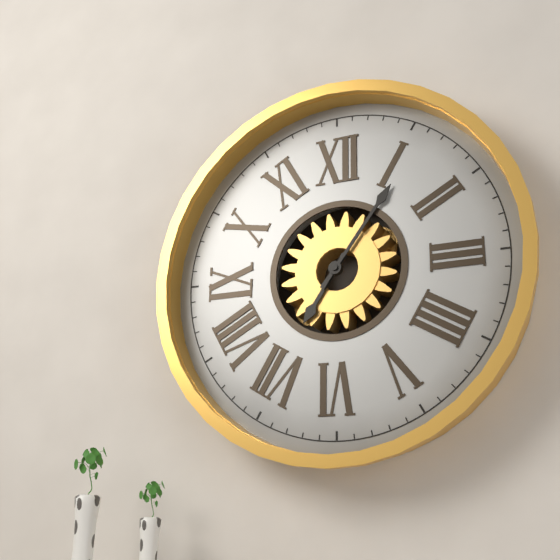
7:06
